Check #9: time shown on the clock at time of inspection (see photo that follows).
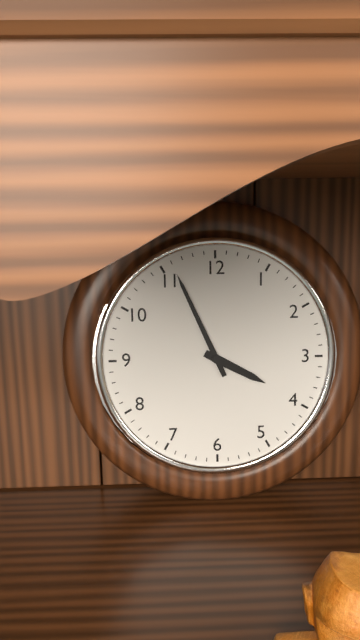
3:56
